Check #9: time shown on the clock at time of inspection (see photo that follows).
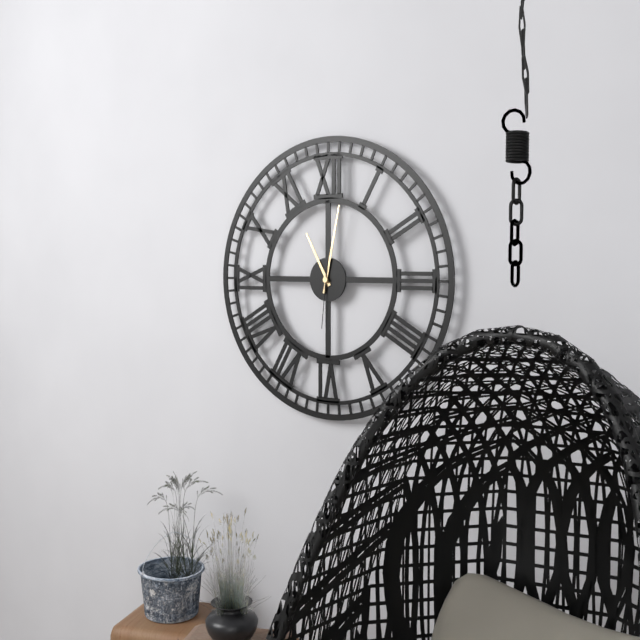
11:02:31
